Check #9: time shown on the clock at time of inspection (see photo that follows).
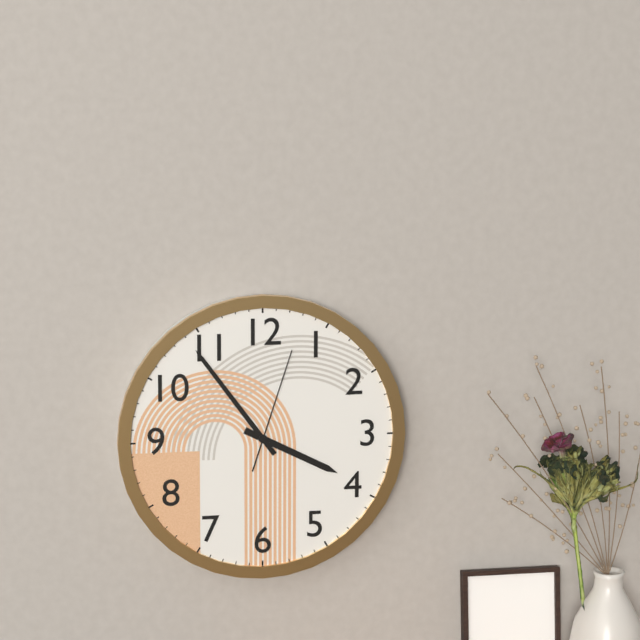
3:54:03
